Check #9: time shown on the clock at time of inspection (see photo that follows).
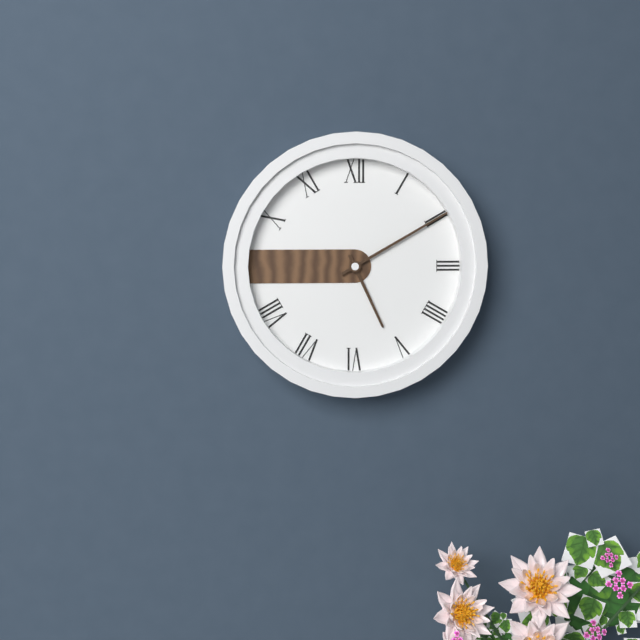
5:10
